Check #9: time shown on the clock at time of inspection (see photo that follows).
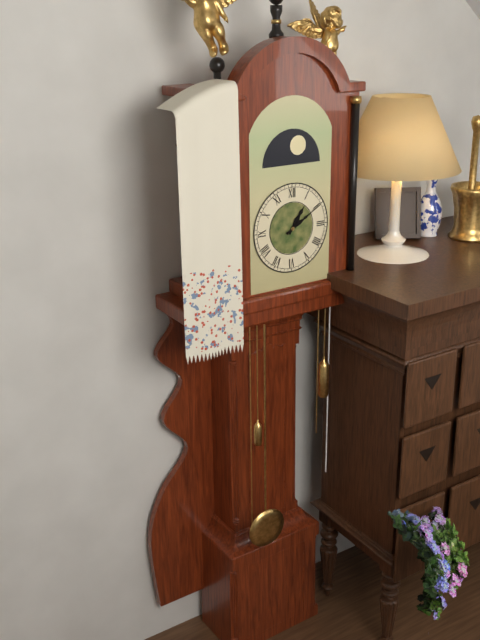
1:10
